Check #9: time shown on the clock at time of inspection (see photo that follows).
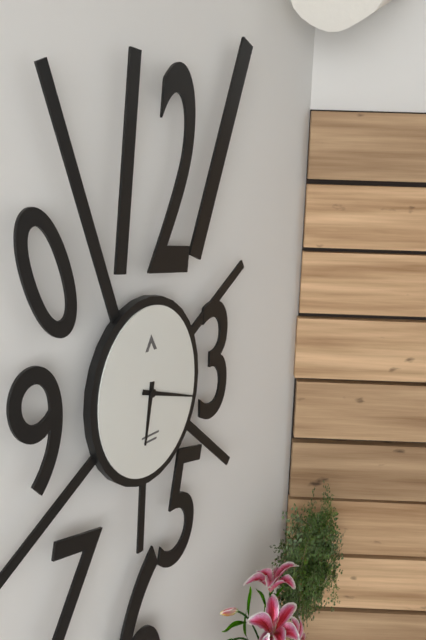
6:18
